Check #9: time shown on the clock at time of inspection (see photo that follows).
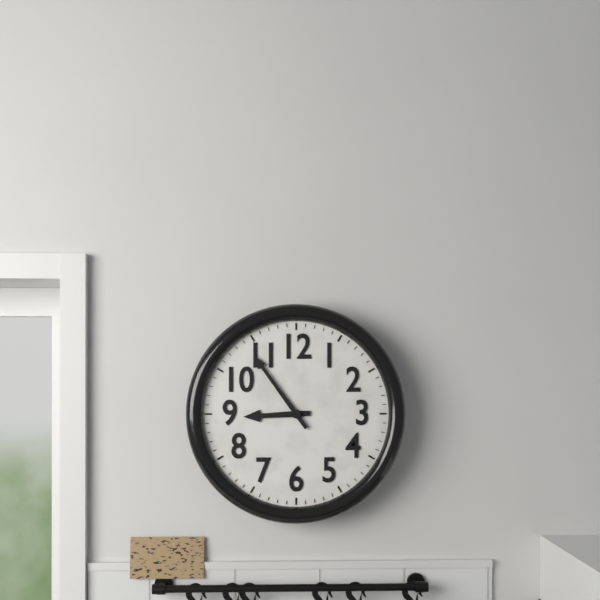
8:54
